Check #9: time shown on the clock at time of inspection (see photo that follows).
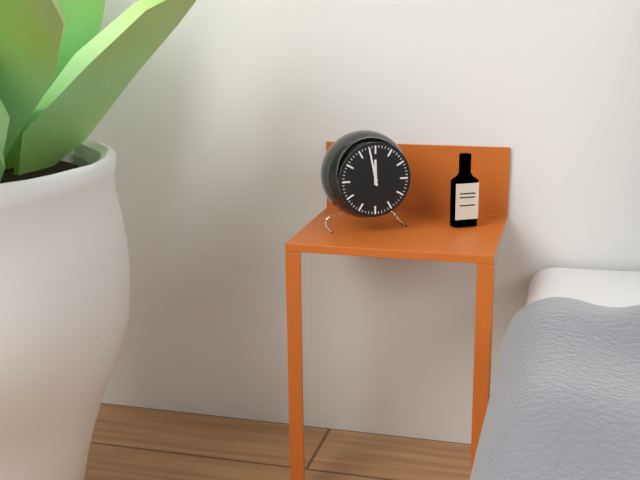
11:58
